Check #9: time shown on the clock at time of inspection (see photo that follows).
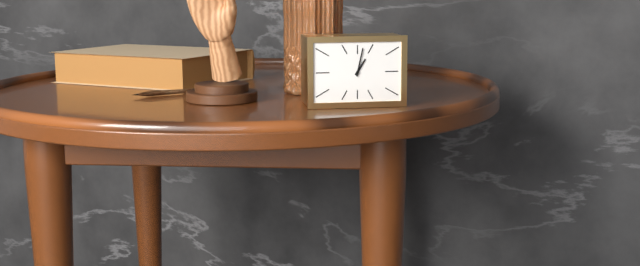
1:02
